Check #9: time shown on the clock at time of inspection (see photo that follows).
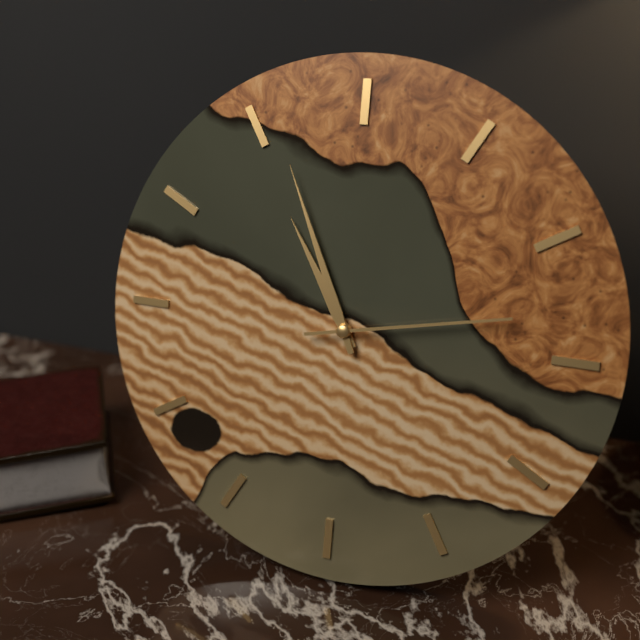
10:56:13
